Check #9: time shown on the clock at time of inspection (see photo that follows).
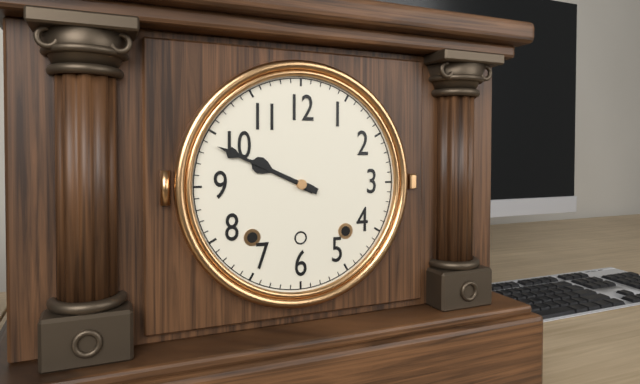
9:49
